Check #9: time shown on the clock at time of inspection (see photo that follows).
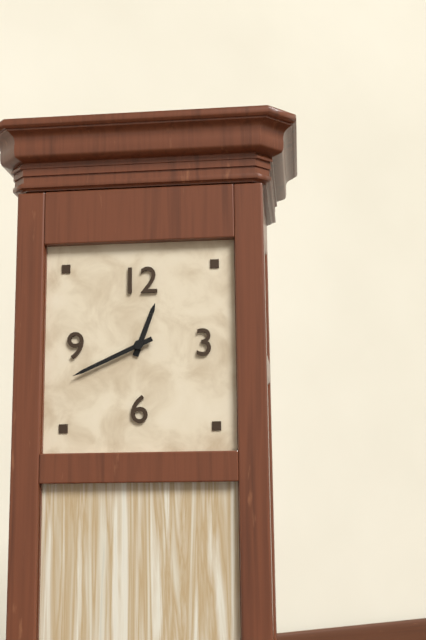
12:41
